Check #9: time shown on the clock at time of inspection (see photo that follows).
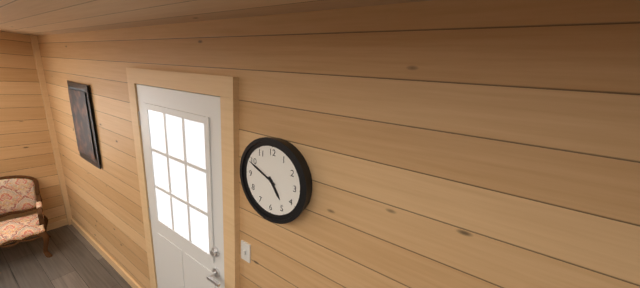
4:49
